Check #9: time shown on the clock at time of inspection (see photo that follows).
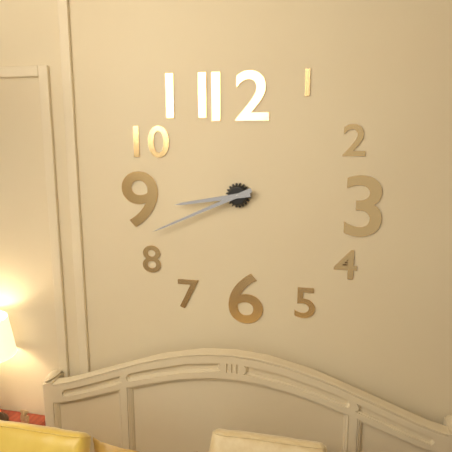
8:41
